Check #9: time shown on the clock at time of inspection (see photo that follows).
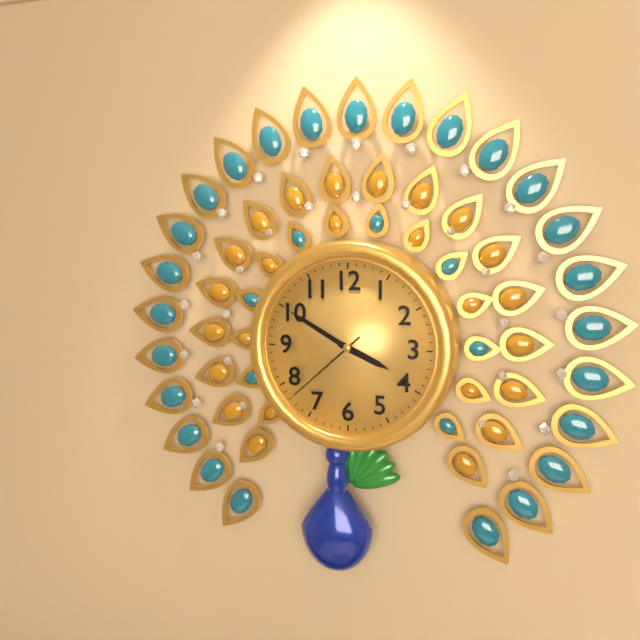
3:50:38
